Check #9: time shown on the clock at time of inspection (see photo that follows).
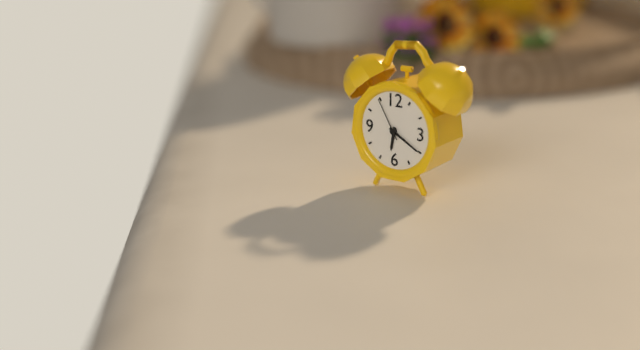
6:20
